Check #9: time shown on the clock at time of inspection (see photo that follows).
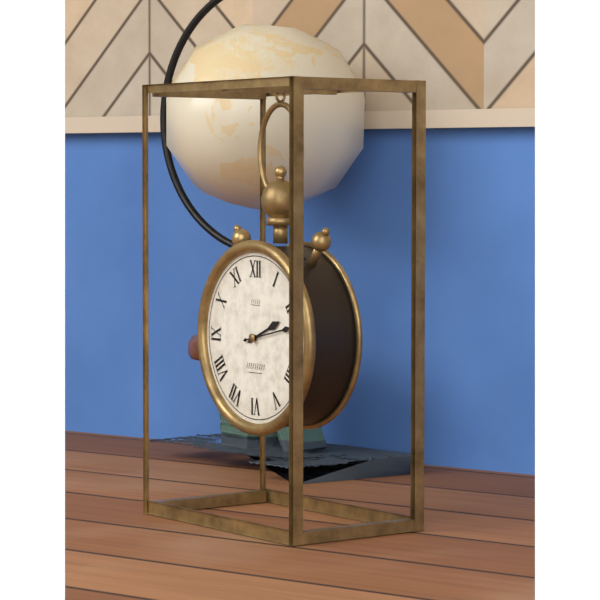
2:13
